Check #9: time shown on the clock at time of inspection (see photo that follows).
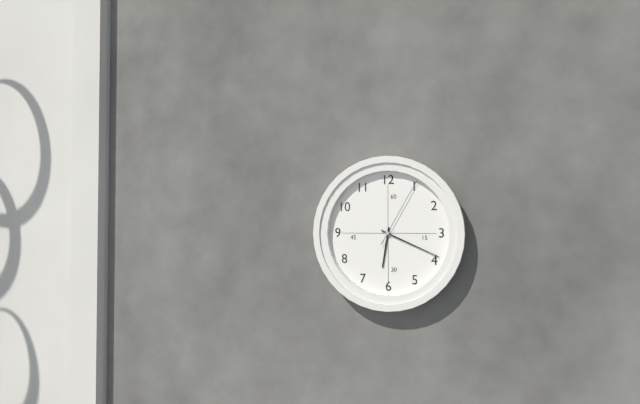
6:19:05
